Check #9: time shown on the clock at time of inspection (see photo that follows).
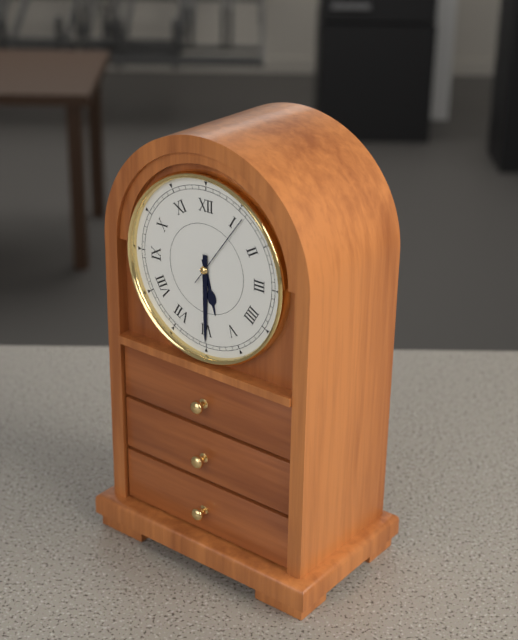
5:30:06
